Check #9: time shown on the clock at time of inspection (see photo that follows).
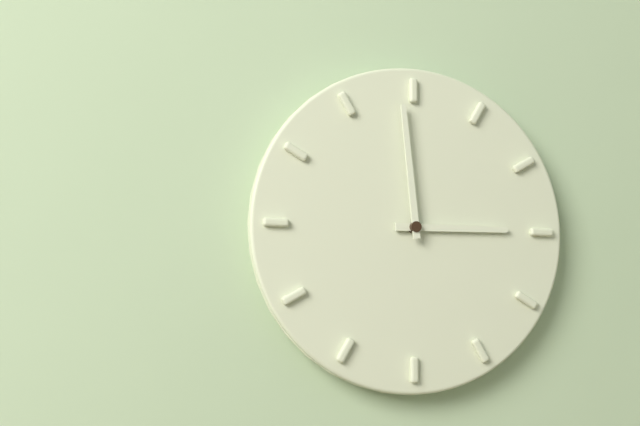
2:59
